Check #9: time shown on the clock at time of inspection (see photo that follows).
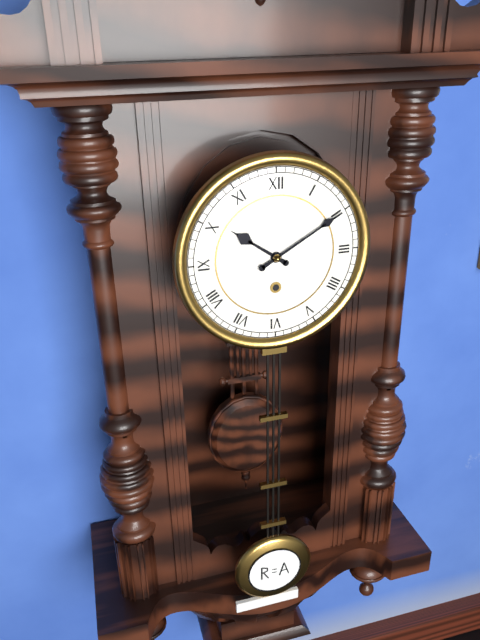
10:10
